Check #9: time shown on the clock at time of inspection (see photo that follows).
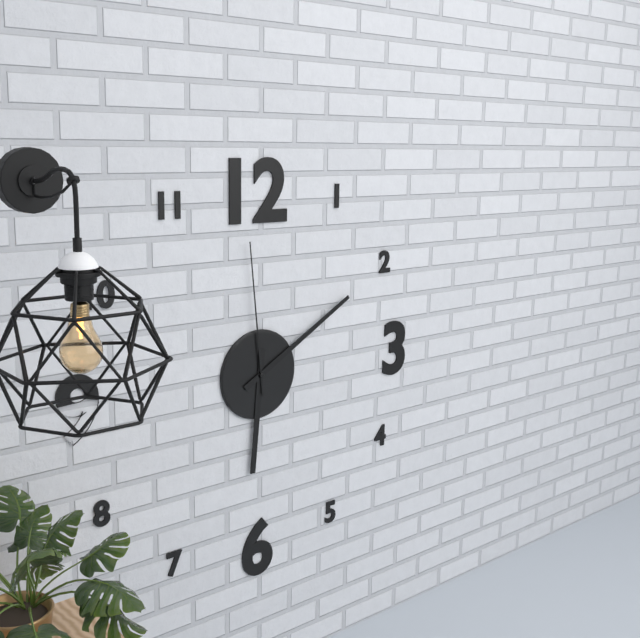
6:10:59
